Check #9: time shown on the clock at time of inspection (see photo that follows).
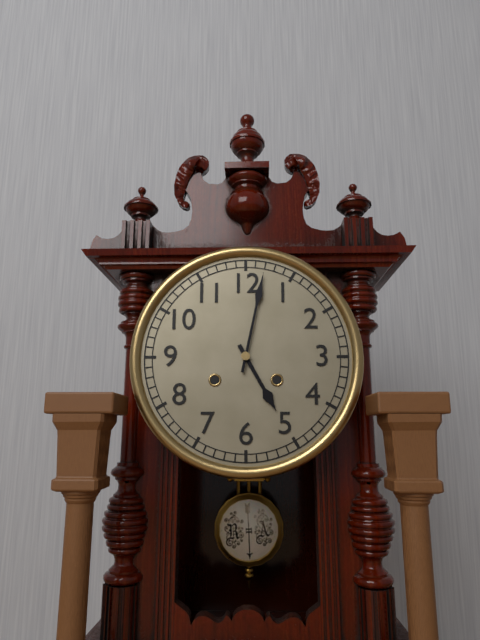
5:02
